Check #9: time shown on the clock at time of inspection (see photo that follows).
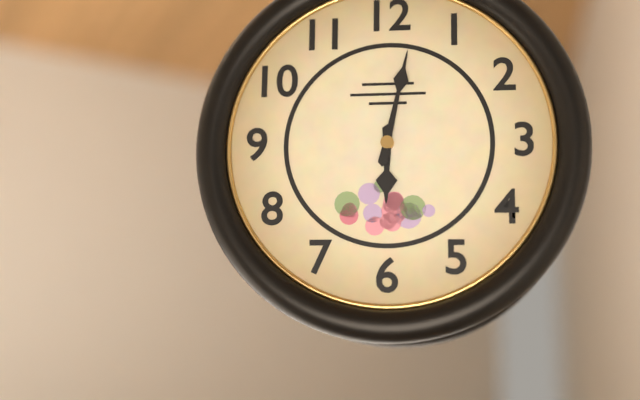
6:02
